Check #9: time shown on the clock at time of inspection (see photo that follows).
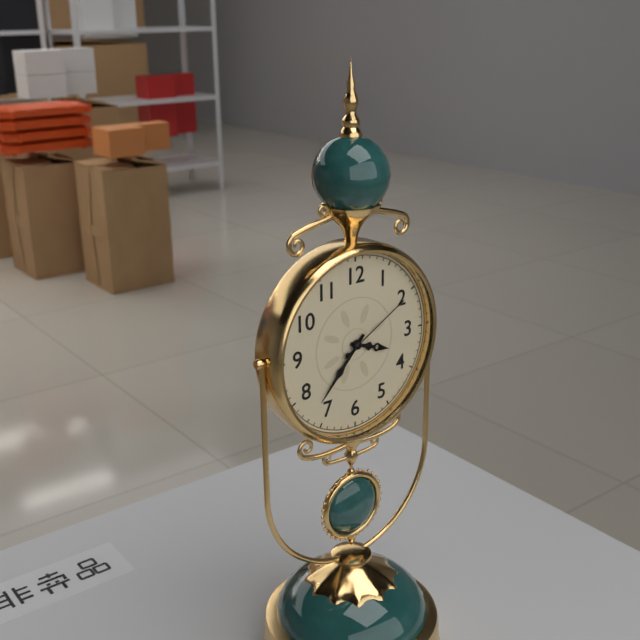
3:37:10
